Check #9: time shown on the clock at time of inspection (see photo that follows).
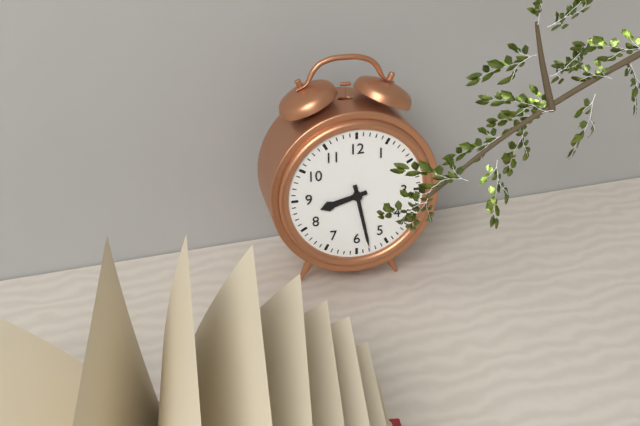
8:28
